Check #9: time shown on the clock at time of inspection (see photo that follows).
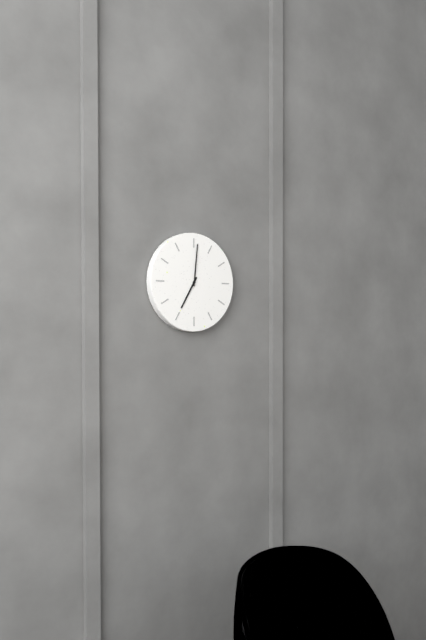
7:01
